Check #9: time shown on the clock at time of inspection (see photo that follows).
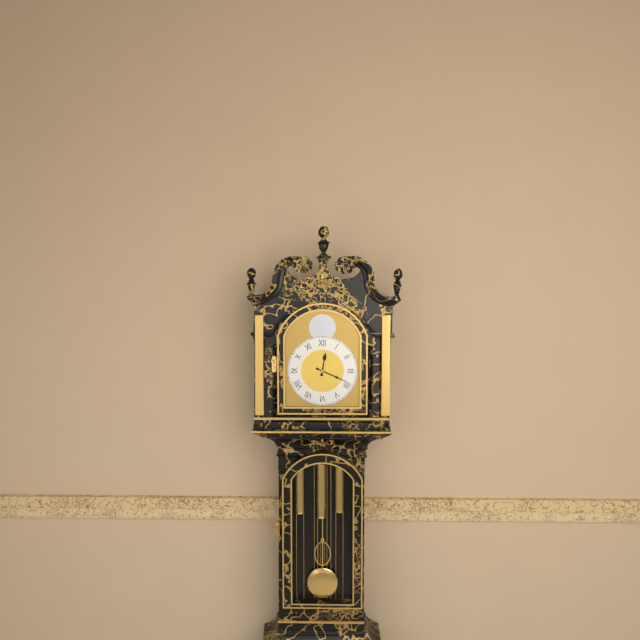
12:19
